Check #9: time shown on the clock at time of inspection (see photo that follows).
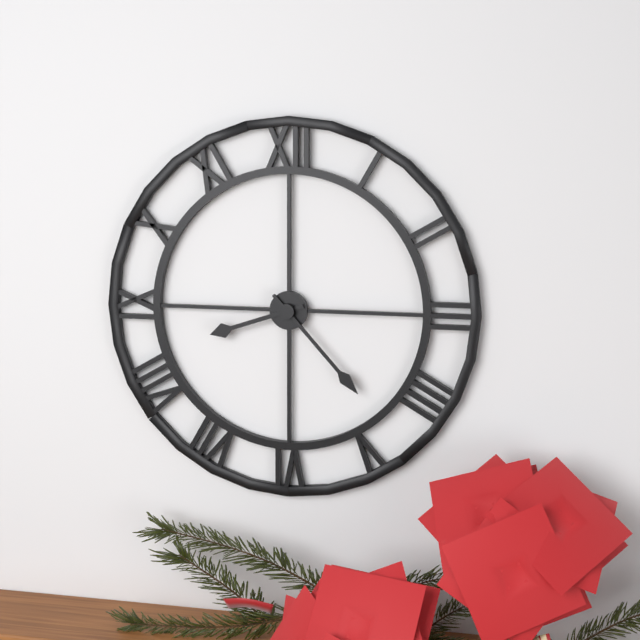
8:23
